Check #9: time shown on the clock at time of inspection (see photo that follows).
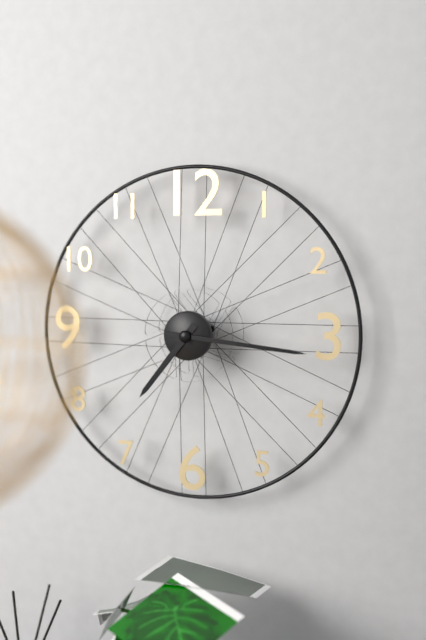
7:16
